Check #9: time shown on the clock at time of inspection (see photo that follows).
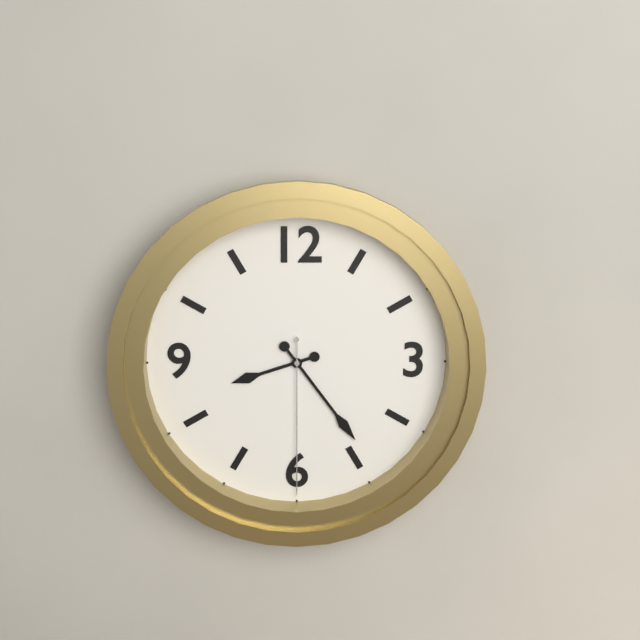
8:24:30
